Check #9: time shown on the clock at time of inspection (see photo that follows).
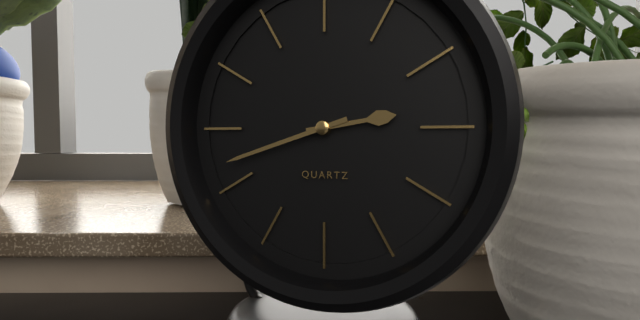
2:42
